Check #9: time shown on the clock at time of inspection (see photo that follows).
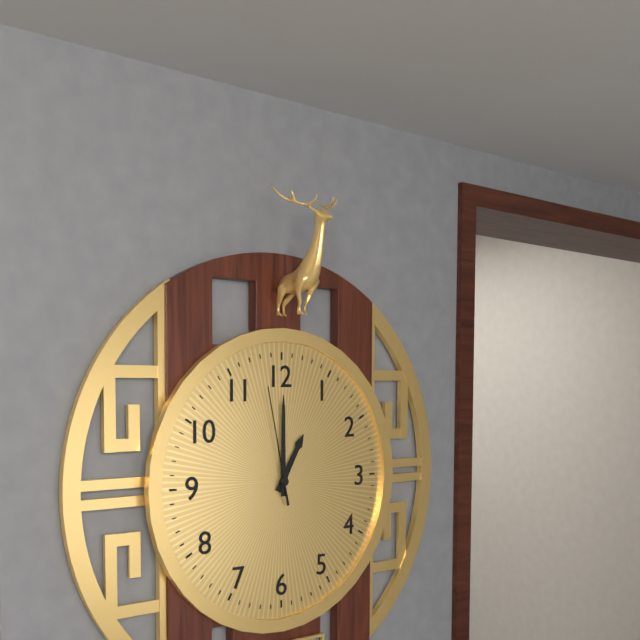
1:00:58
